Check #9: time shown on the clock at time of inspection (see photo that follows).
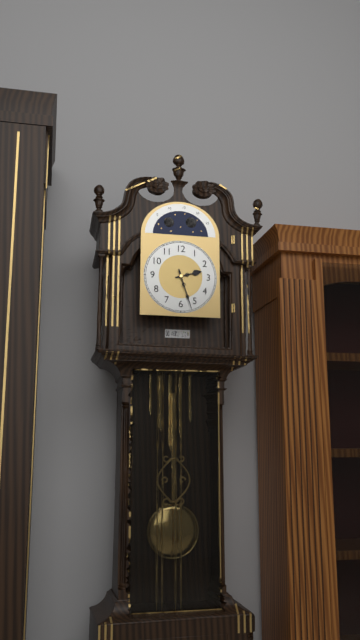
2:27
